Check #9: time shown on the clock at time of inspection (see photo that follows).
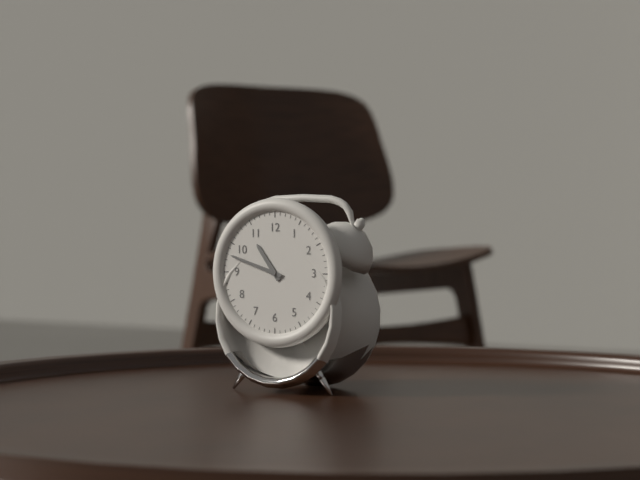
10:48
